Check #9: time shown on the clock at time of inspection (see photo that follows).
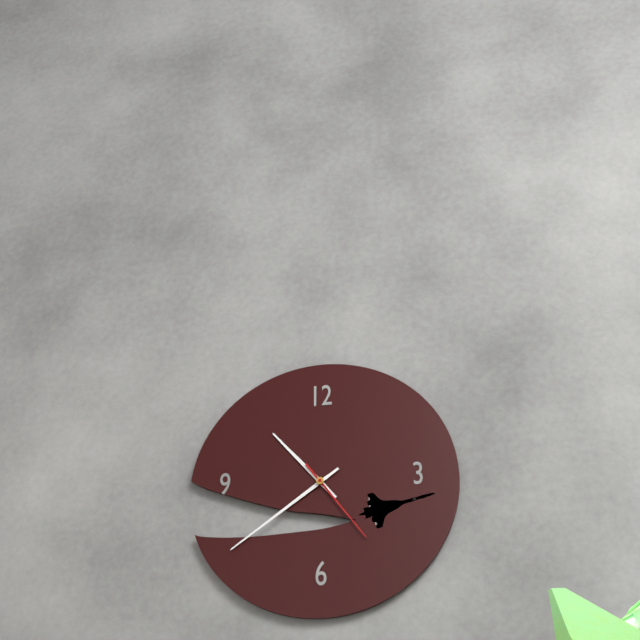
10:39:24
